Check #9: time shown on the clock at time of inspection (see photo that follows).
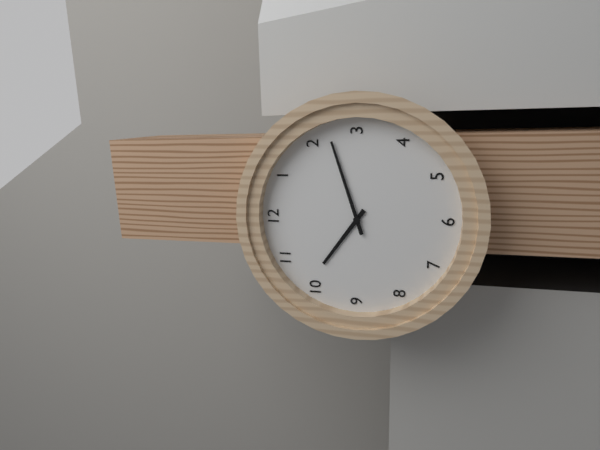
10:12
